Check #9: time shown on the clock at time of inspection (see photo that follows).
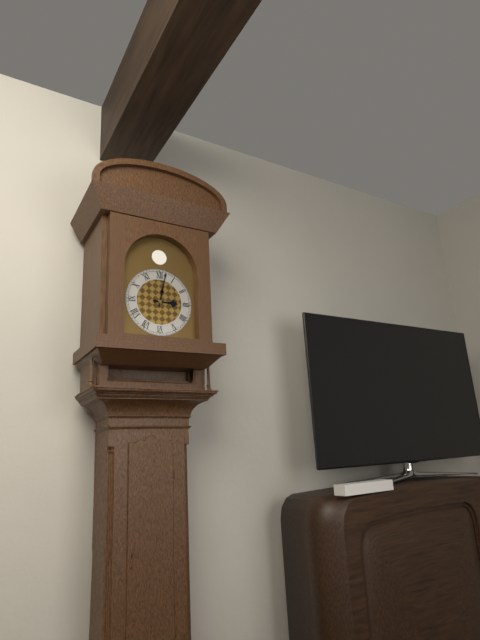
3:02
